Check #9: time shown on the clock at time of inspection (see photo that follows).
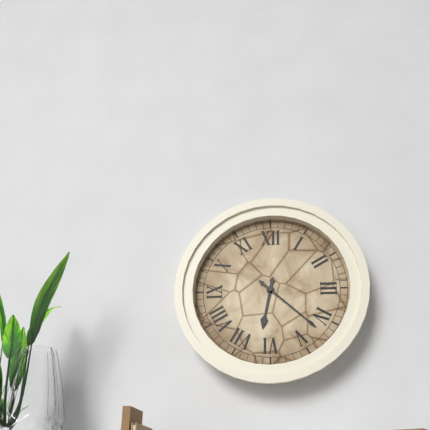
6:22
